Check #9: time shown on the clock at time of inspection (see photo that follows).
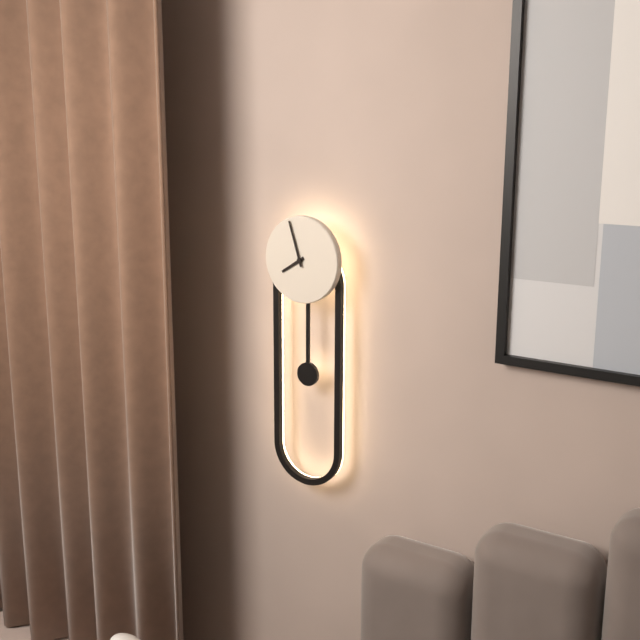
7:57
